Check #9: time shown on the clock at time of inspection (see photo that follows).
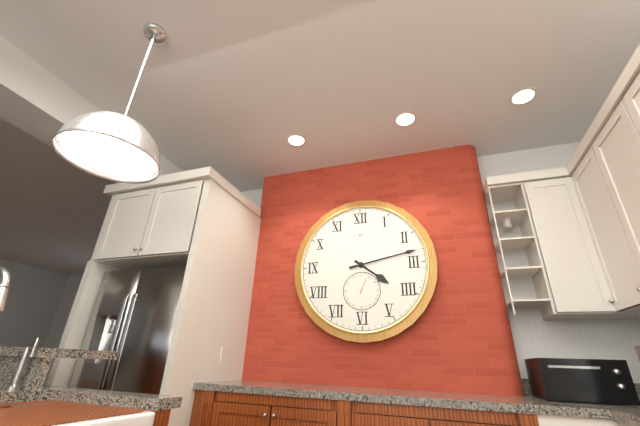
4:13
